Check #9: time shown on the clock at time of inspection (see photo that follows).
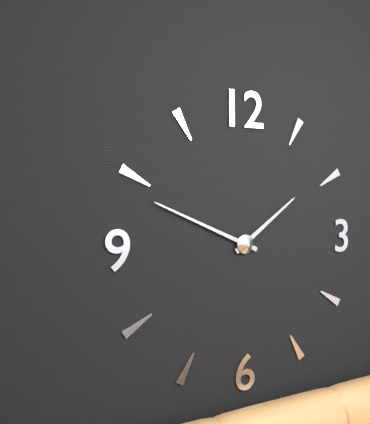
1:49
